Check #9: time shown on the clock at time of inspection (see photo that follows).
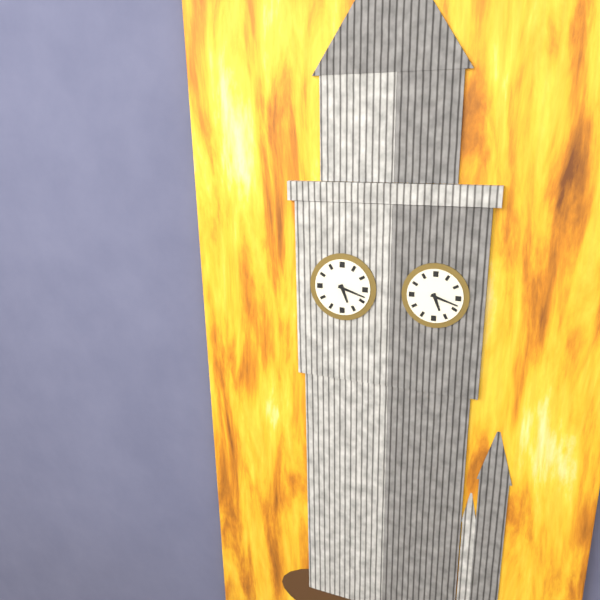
5:18
